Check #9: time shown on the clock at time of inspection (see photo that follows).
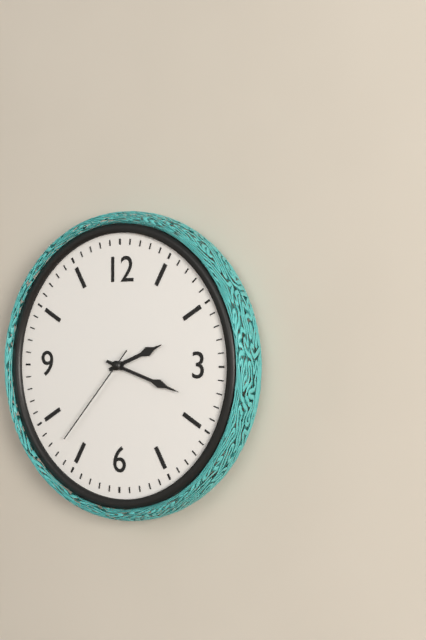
2:18:37
